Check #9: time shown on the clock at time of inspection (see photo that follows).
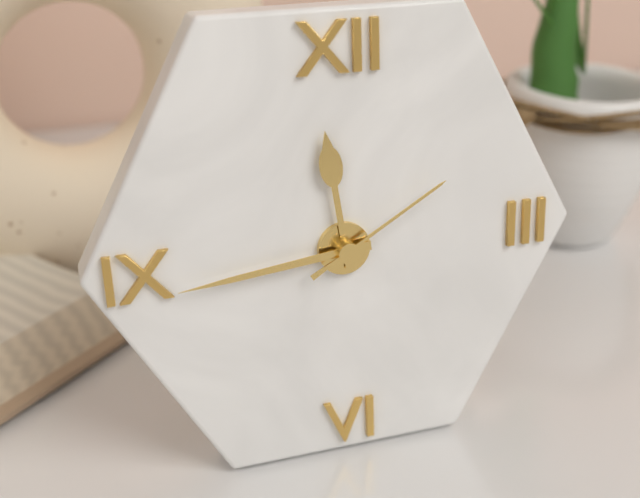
11:44:10
